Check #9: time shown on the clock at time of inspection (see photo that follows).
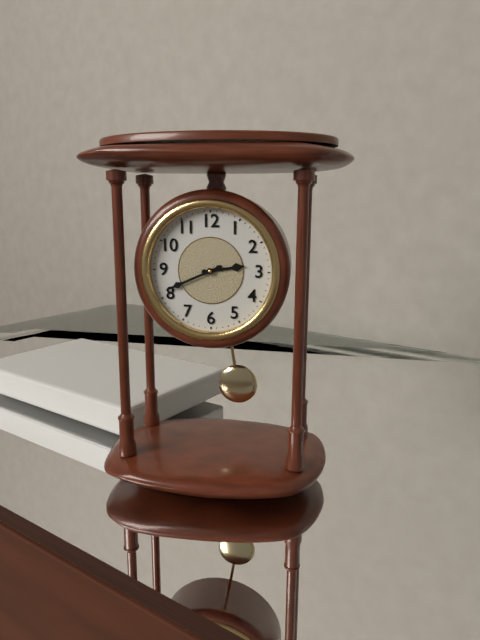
2:41
